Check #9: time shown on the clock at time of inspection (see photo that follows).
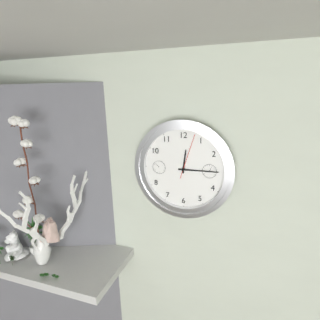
12:15
